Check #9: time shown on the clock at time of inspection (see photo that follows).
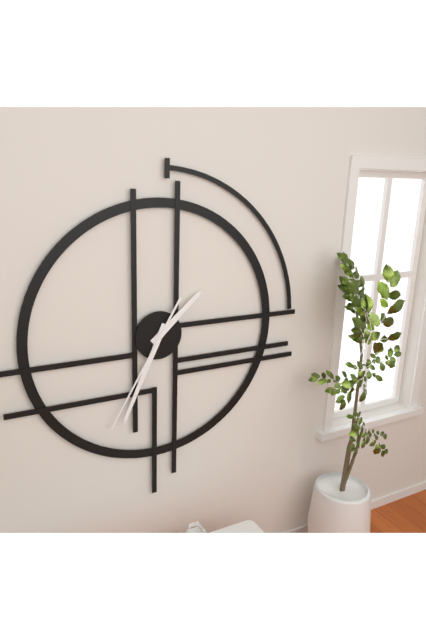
1:34:35
